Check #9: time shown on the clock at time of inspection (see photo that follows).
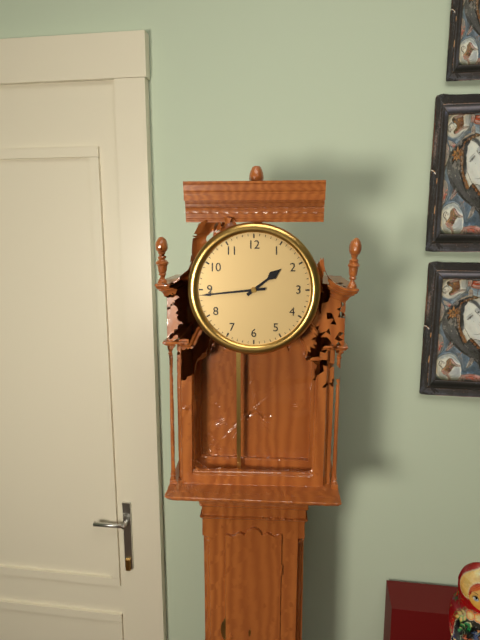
1:44
